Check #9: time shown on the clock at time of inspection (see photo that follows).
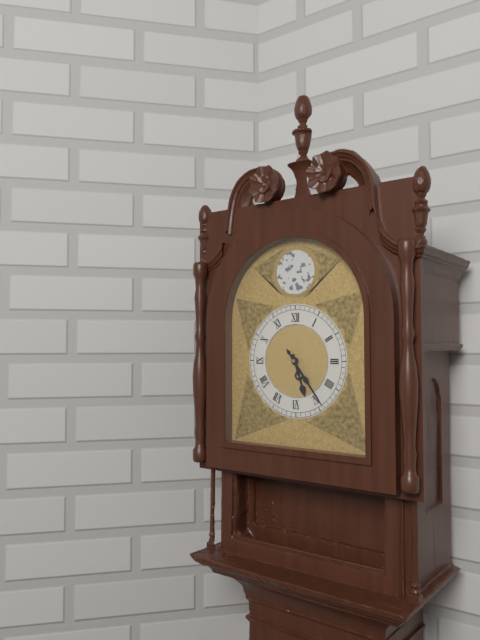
5:24
